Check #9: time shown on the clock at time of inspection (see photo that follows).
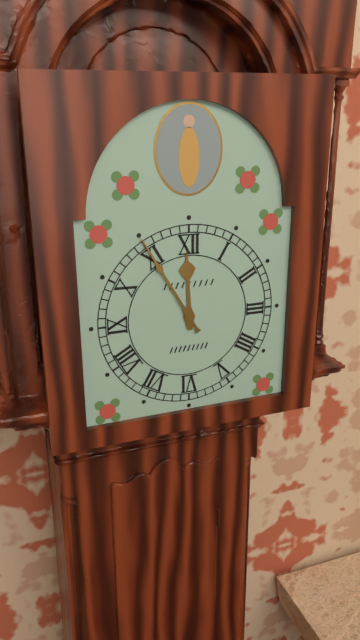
11:55
